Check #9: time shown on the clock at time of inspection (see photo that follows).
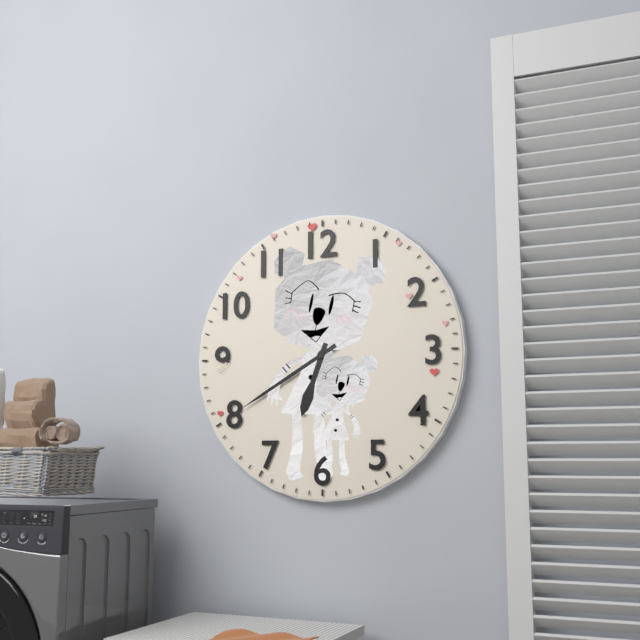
6:40
